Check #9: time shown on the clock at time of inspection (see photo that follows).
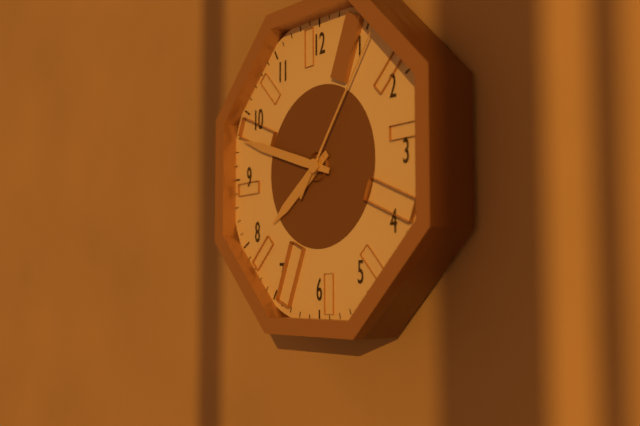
7:48:06
